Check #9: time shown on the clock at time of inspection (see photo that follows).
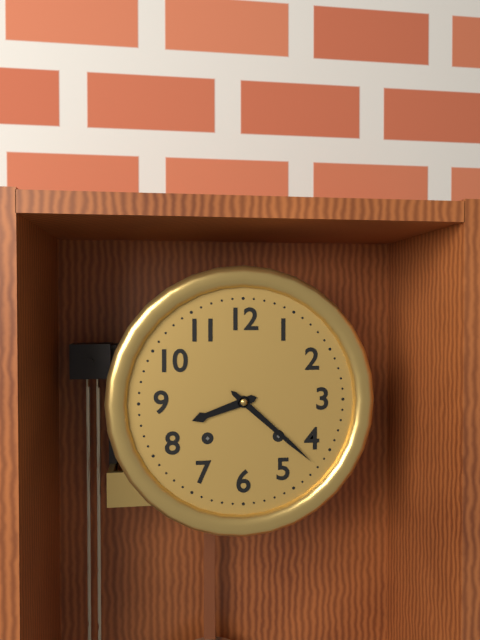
8:22
